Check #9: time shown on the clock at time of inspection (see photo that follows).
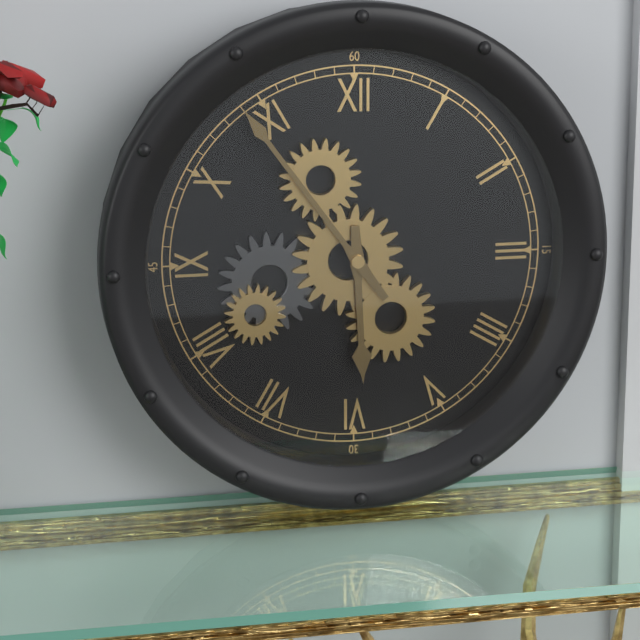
5:54
